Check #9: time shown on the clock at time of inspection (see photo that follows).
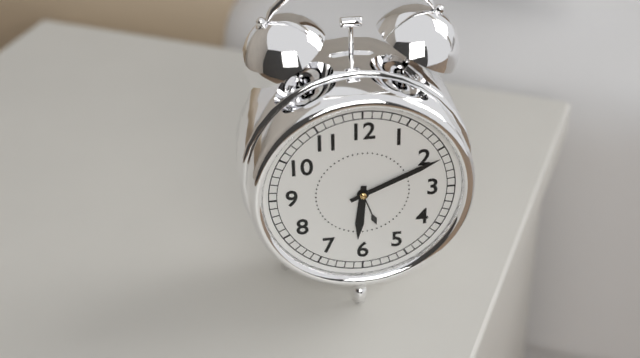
6:11
